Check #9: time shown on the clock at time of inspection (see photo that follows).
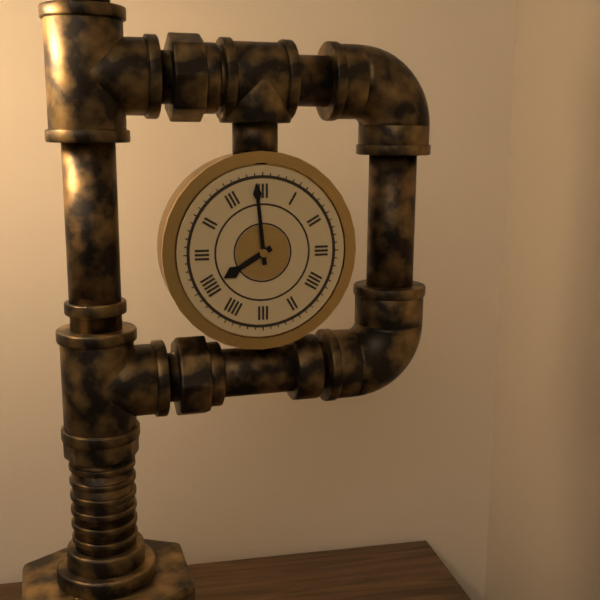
7:59
